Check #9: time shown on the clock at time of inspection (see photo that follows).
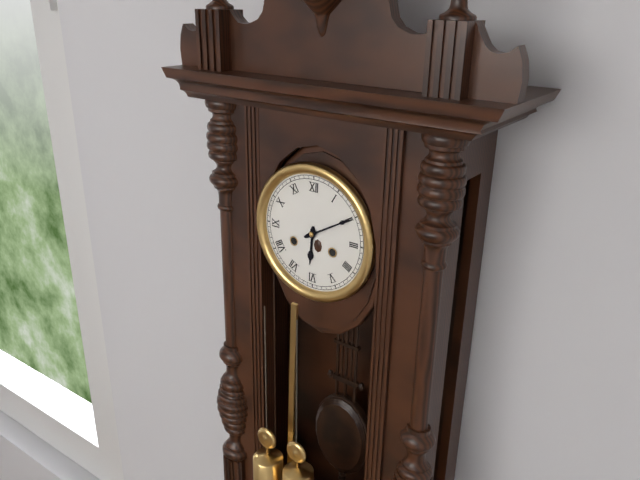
6:10
